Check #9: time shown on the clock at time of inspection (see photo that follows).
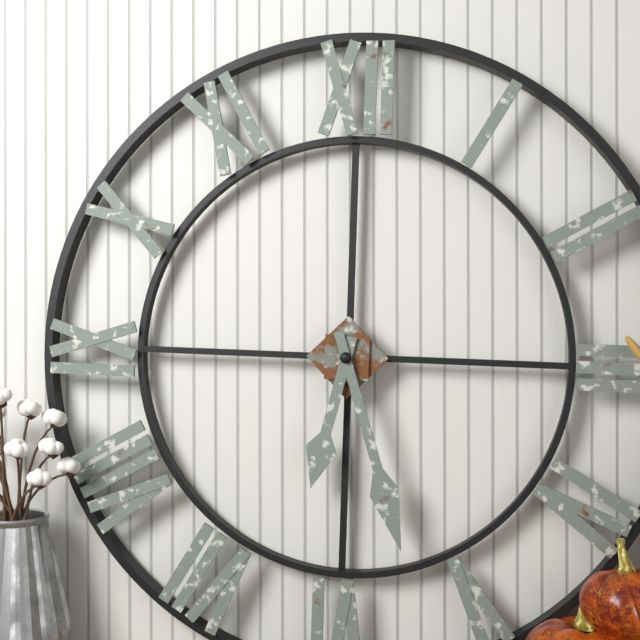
6:27
